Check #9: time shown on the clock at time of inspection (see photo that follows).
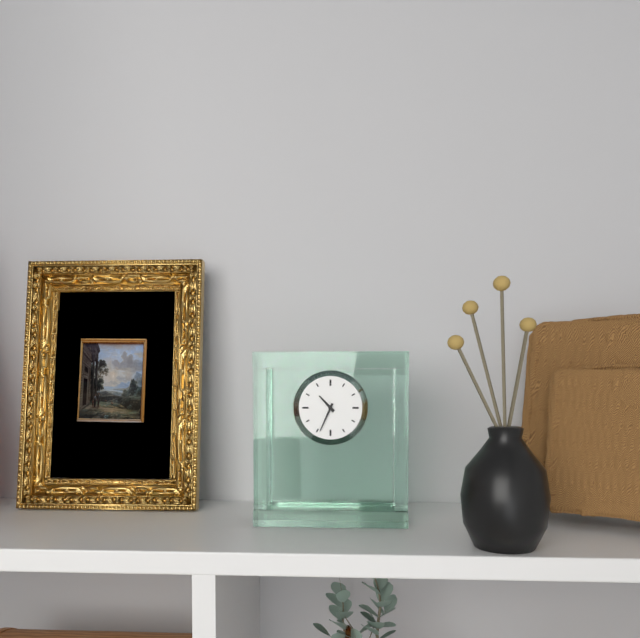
10:34
